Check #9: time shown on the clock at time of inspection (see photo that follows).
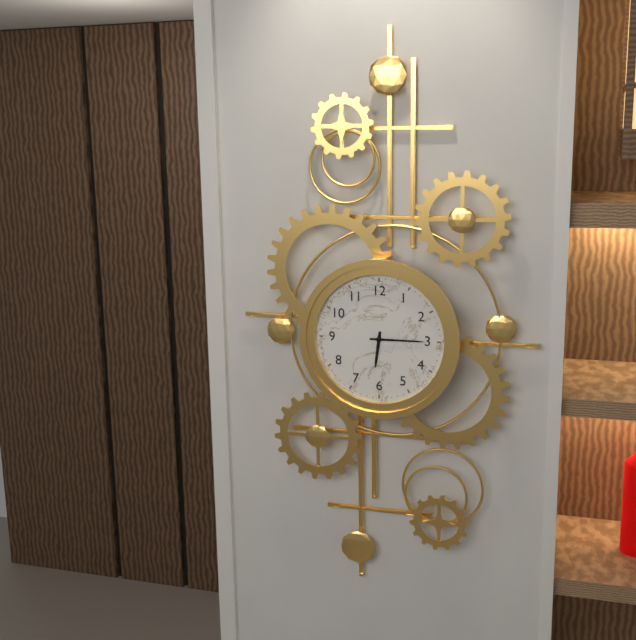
6:15
